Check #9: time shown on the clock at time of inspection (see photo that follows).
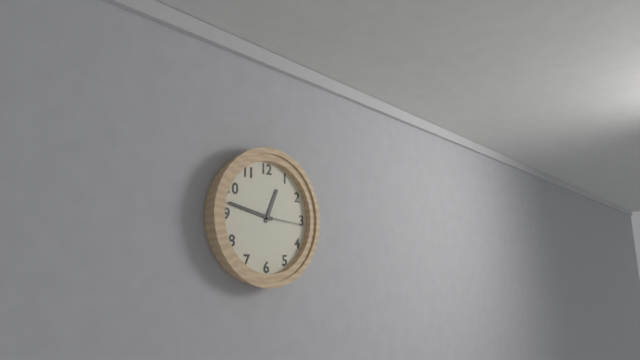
12:47
